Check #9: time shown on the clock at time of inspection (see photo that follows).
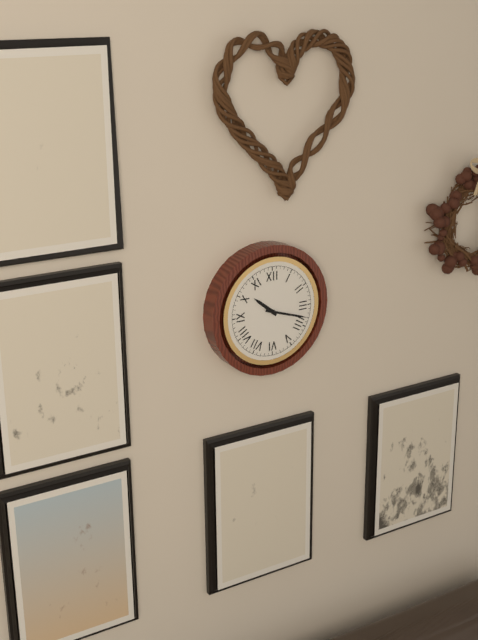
10:18
